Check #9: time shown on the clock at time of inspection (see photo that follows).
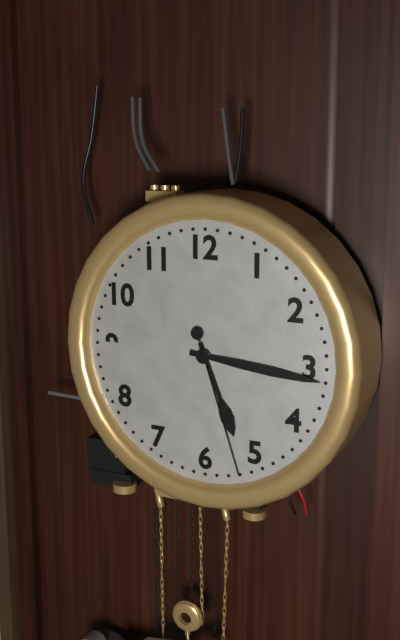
5:16:27
